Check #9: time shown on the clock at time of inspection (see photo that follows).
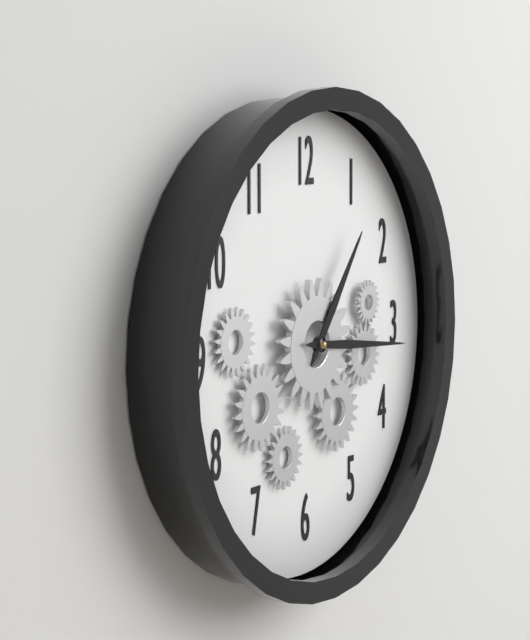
1:16
